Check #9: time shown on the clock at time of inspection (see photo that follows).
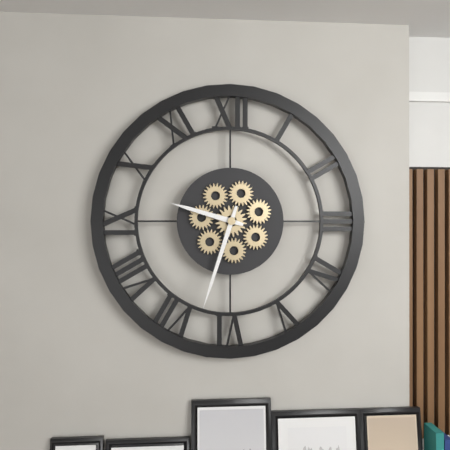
9:33
